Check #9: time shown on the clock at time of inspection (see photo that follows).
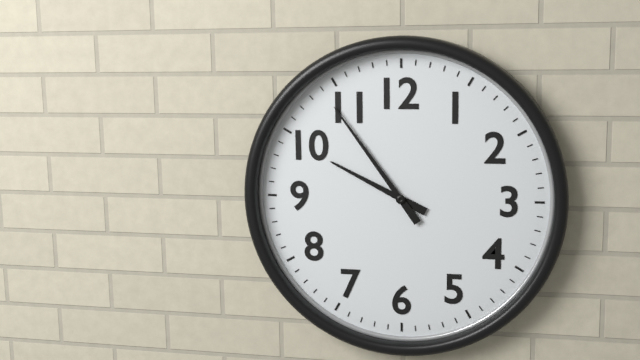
9:54
